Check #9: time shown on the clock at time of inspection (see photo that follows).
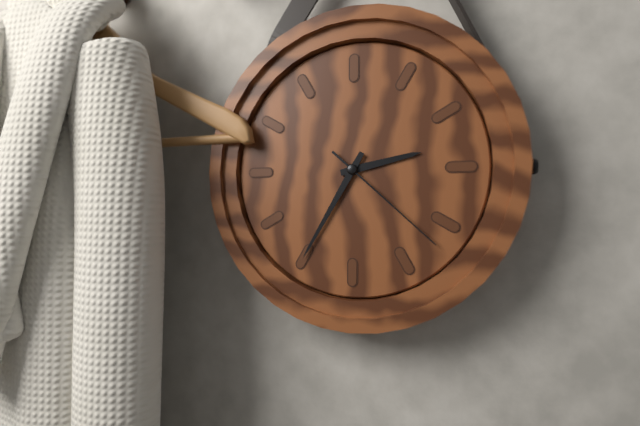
2:35:22
